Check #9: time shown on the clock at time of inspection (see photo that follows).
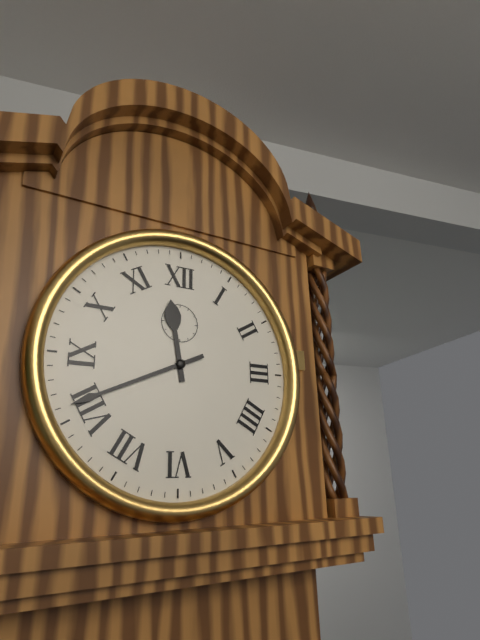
11:41
